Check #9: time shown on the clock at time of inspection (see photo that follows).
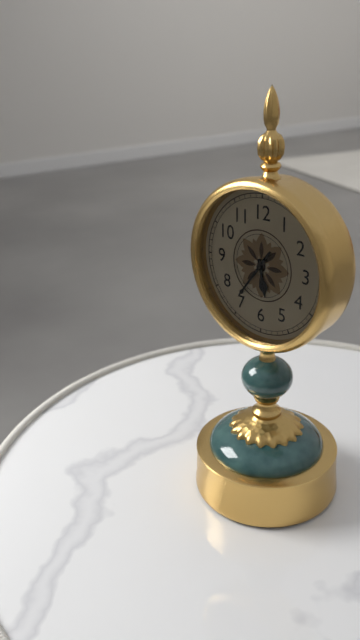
5:36
